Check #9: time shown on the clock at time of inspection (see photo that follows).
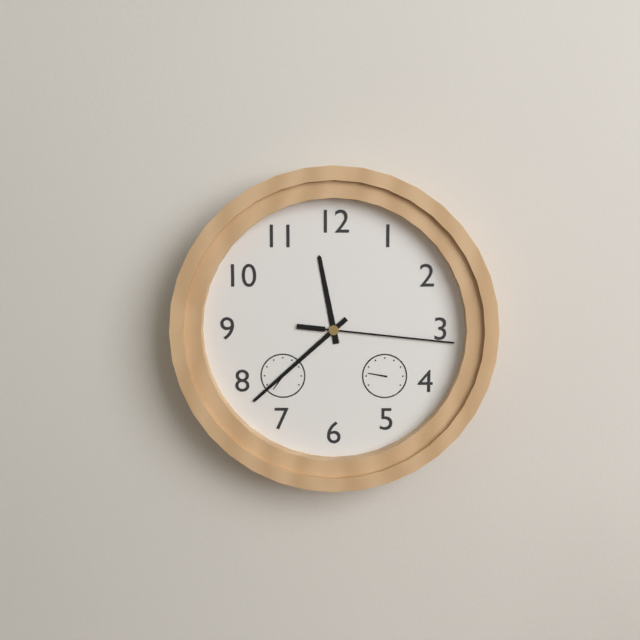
11:38:16
